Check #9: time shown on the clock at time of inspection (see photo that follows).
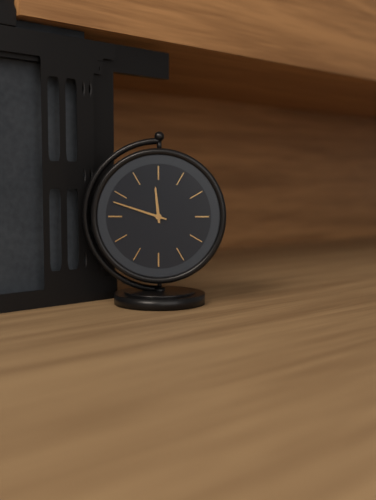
11:48
